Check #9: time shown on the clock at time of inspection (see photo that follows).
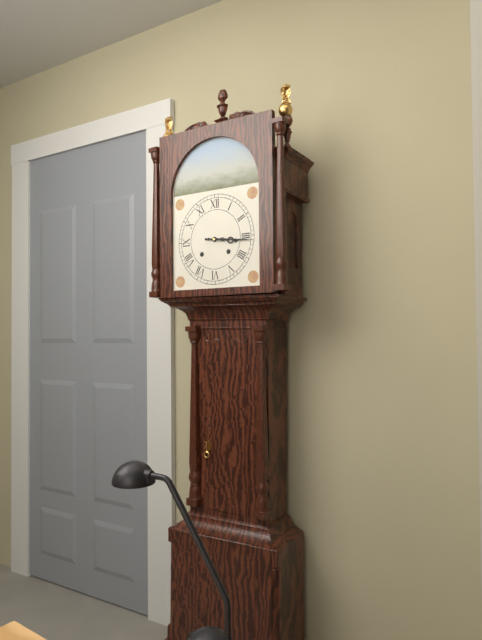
3:16
